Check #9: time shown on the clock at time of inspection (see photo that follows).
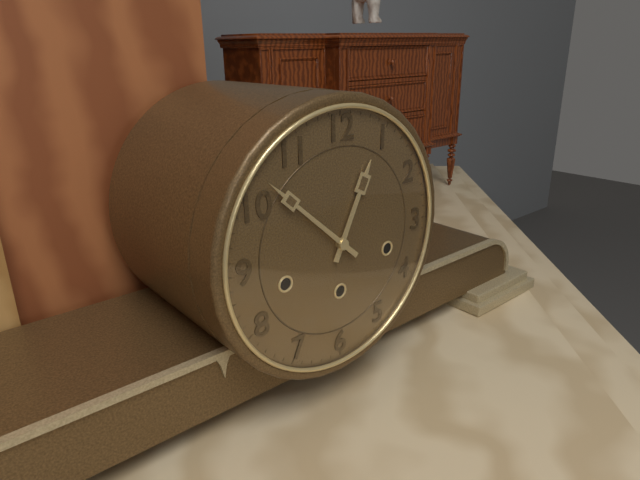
12:52
